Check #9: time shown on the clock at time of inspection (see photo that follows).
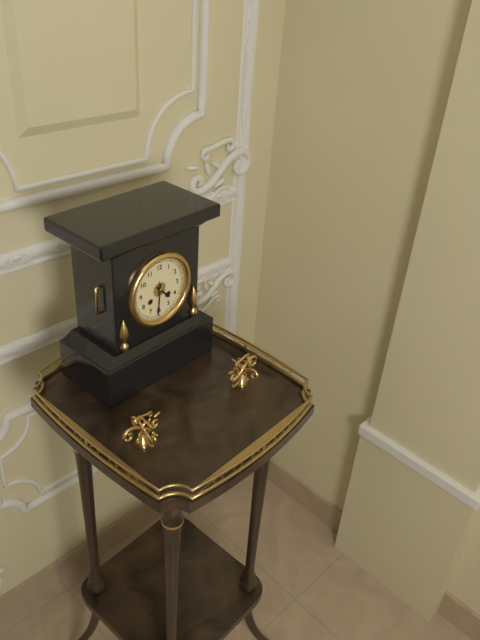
4:31
